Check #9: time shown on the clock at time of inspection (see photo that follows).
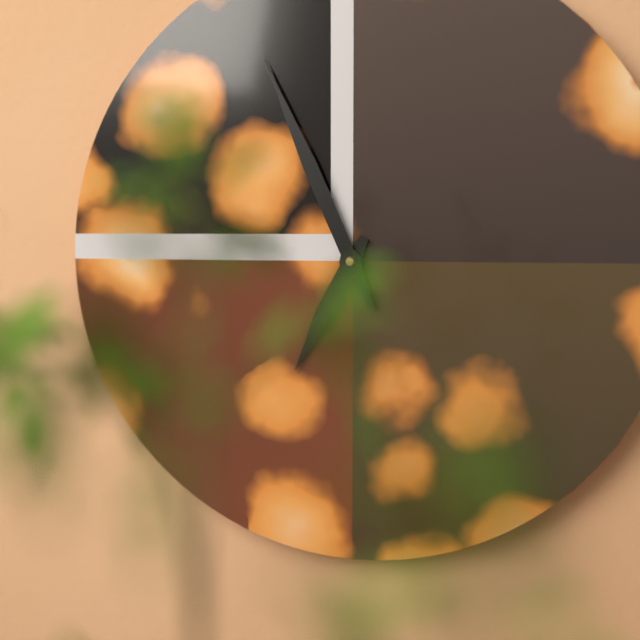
6:56
